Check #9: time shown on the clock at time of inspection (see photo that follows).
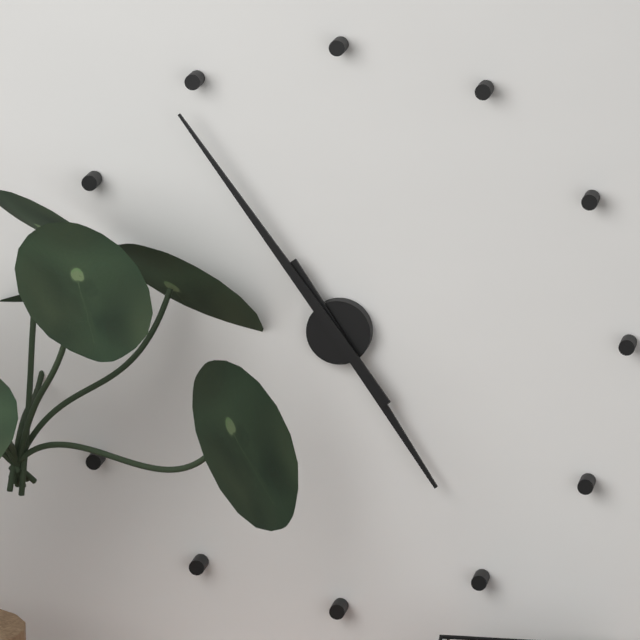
4:54
